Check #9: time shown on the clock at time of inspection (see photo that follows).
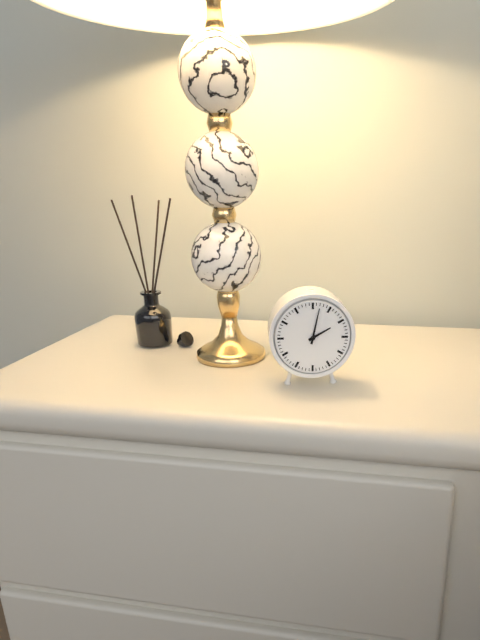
2:02
